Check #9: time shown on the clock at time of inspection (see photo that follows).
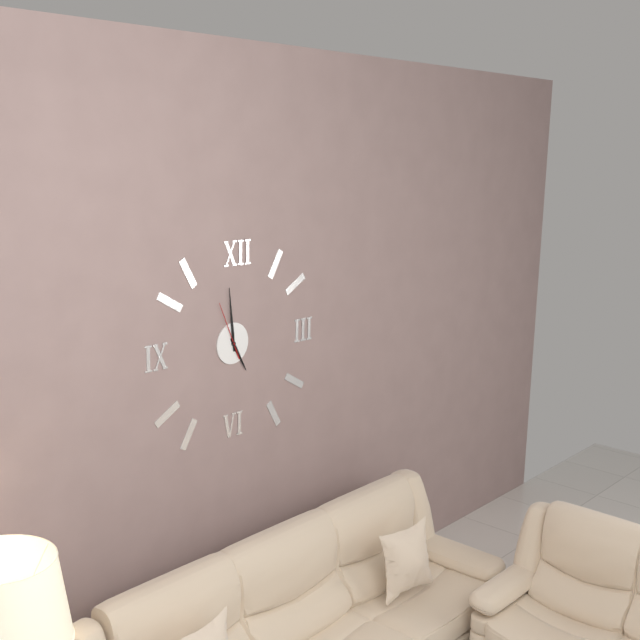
4:59:56
